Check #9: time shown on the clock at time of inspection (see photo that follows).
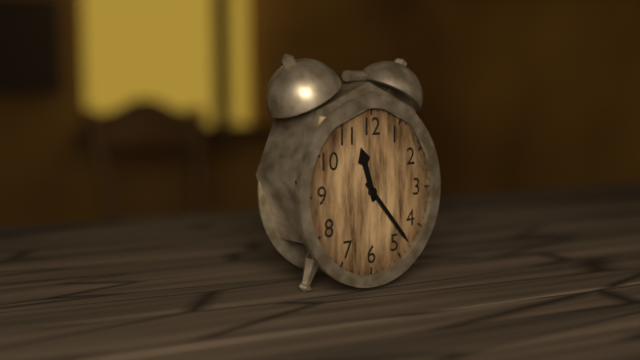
11:23
